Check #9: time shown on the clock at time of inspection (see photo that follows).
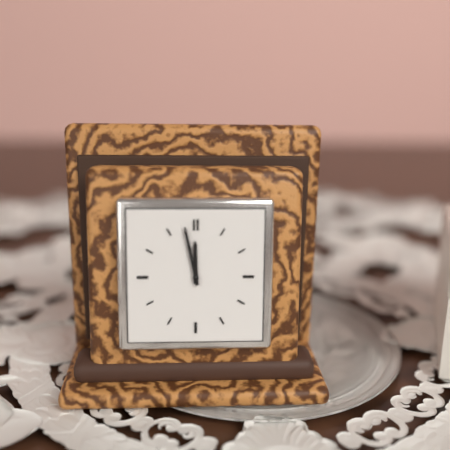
11:58
